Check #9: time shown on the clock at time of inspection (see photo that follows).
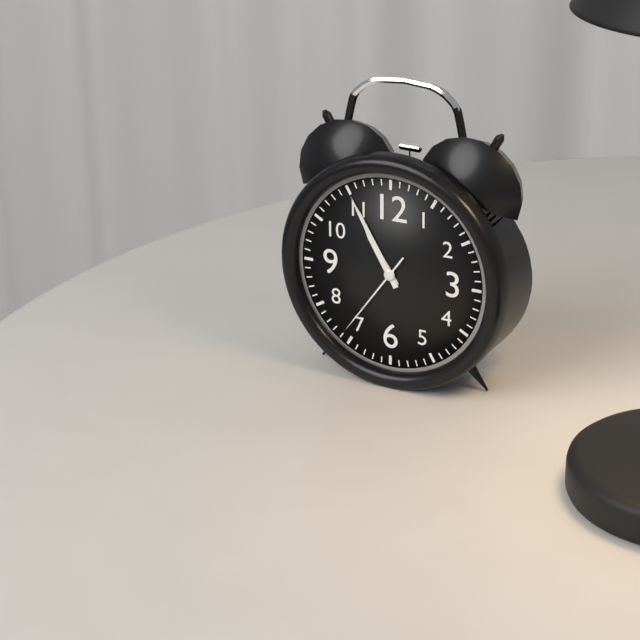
10:55:36
